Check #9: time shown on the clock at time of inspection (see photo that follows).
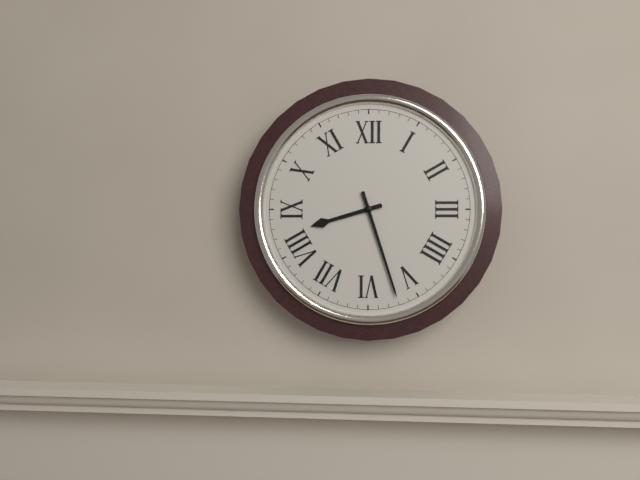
8:27
